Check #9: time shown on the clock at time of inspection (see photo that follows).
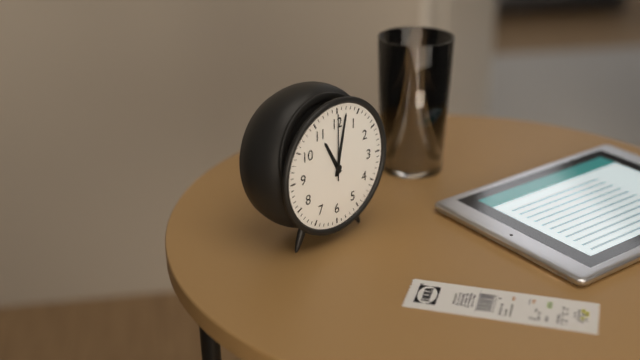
11:02:00
